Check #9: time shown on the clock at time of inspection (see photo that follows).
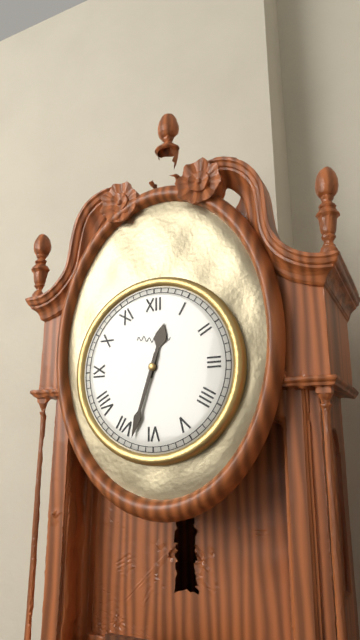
12:33
